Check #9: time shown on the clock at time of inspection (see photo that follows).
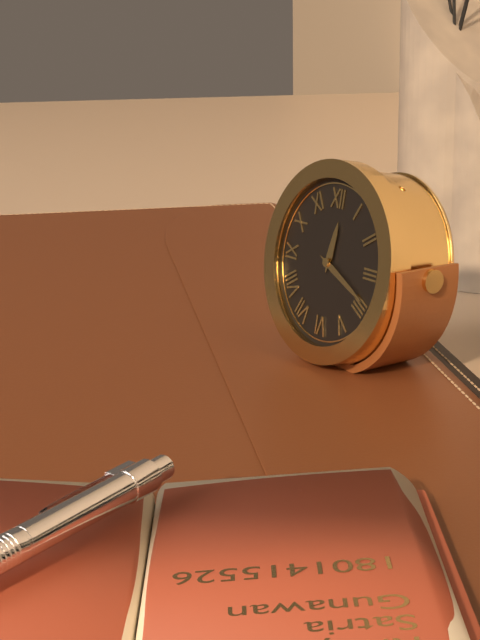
12:19
